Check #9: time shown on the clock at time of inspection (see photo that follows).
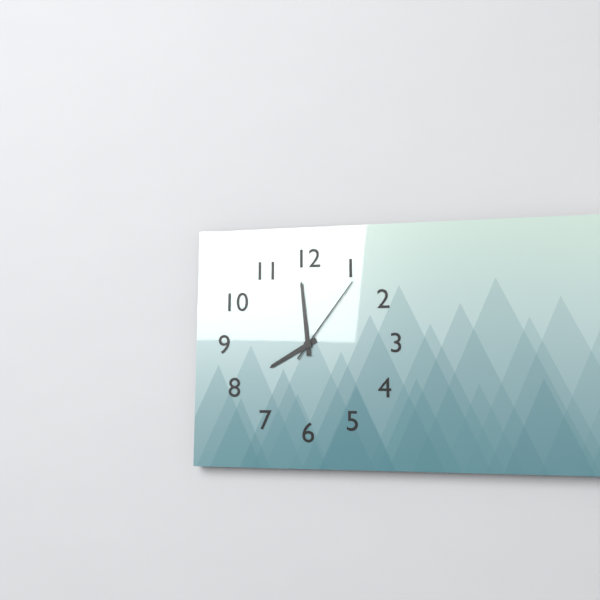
7:59:06
